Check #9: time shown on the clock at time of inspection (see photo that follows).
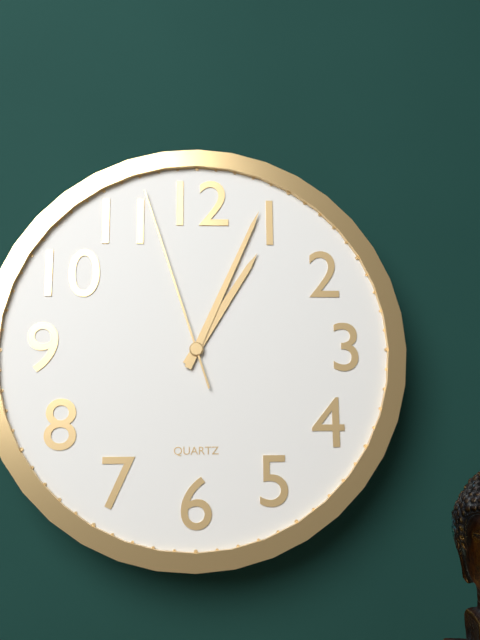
1:04:57
